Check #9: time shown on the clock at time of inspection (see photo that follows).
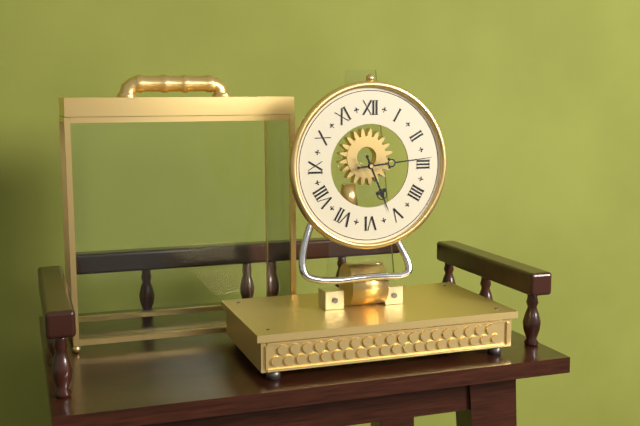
5:14
